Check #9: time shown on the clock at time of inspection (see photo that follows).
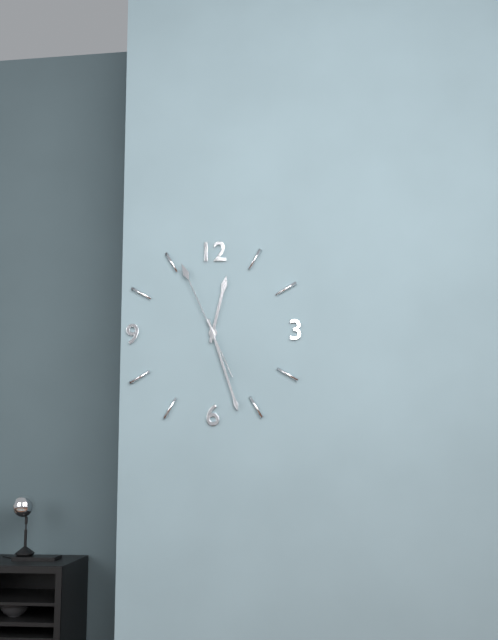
12:27:56
